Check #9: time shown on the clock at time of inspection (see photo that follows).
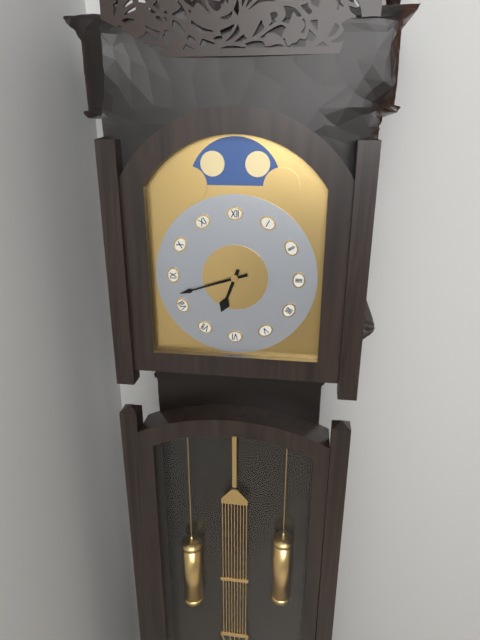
6:42
